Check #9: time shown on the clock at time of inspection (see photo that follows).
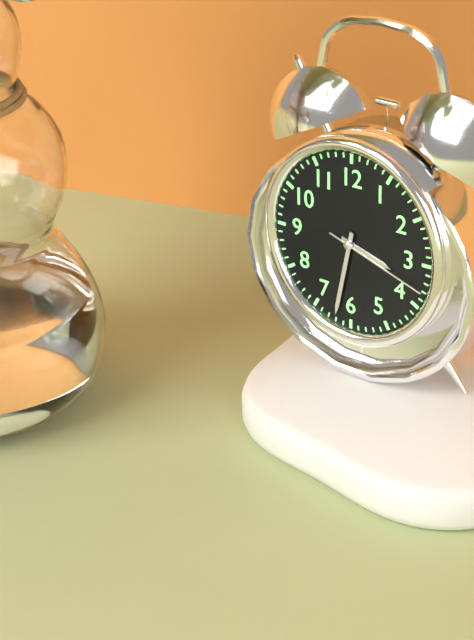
3:32:18
